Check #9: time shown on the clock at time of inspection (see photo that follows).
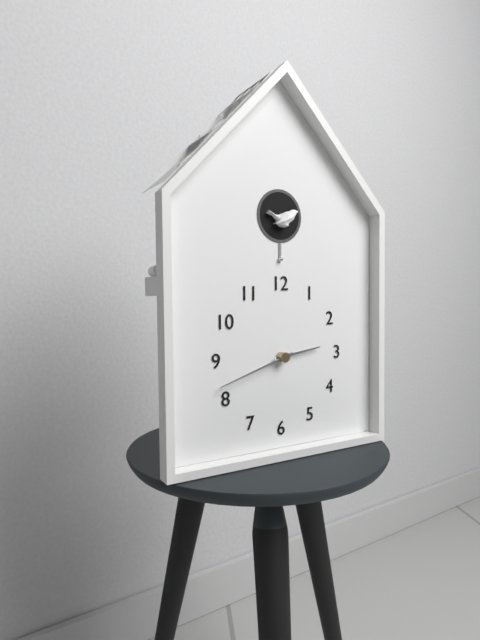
2:42
